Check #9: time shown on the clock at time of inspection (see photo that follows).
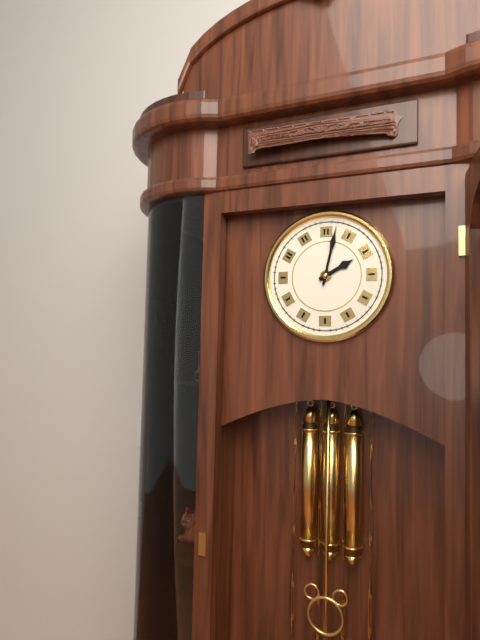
2:02
